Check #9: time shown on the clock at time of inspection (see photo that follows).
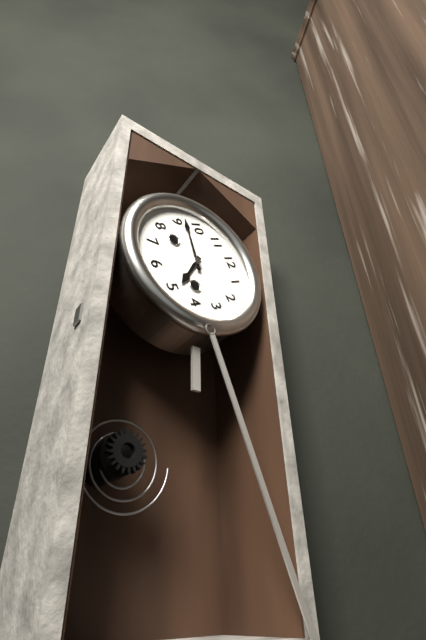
4:47
